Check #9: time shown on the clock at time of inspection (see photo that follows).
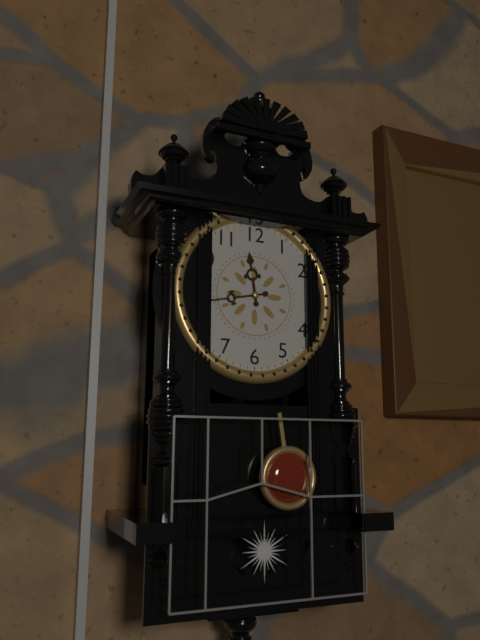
11:43
